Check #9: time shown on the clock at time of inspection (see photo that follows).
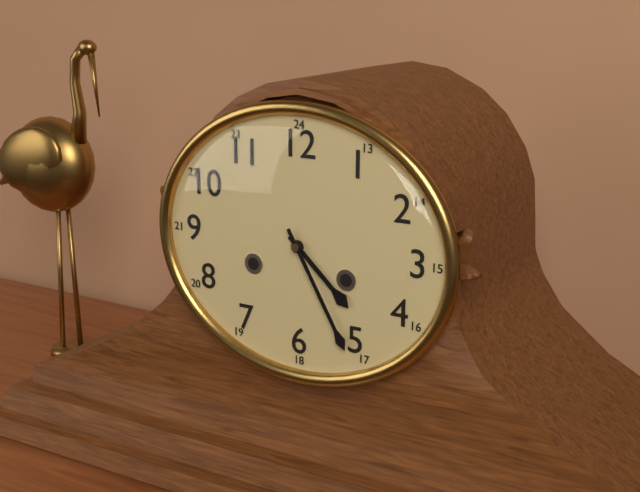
4:25
